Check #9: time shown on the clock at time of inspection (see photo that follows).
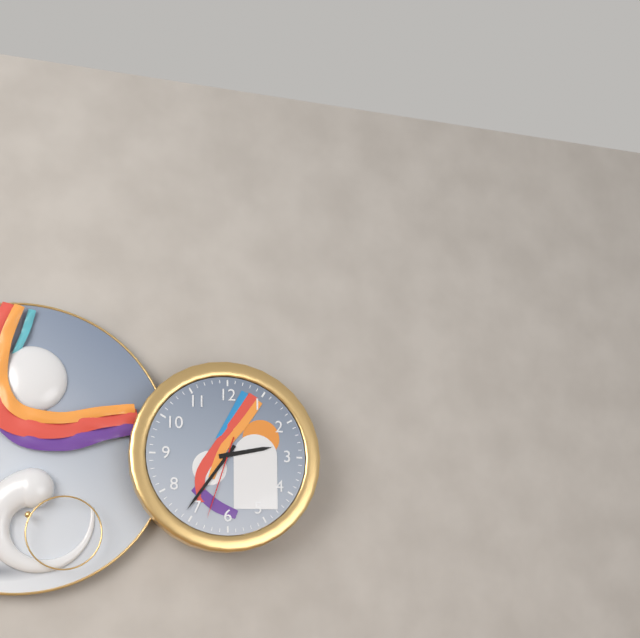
2:36:33
